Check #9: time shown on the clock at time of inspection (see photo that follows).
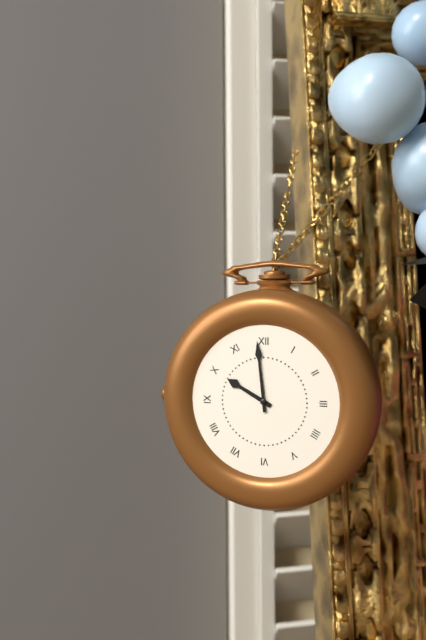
9:59
